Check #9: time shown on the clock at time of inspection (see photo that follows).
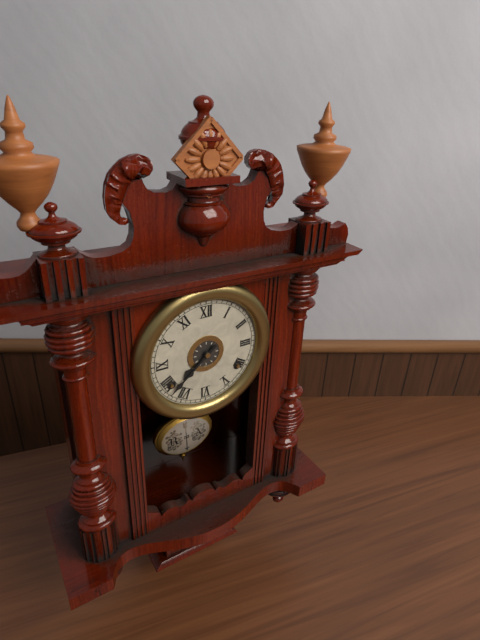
7:38
